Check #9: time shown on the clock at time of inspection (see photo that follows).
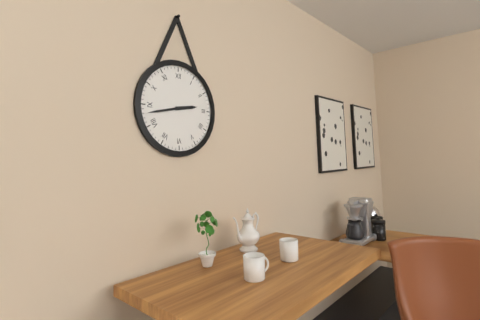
2:43
